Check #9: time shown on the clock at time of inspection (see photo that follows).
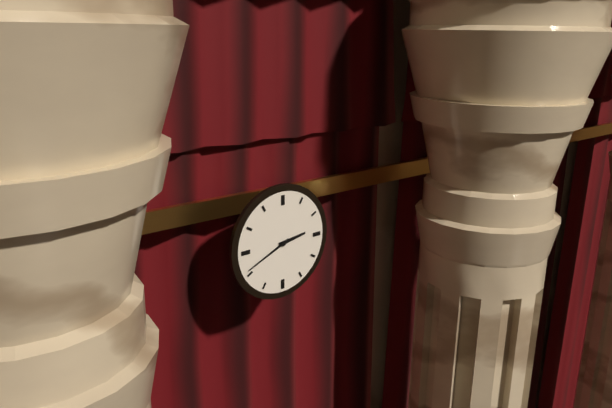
2:41
